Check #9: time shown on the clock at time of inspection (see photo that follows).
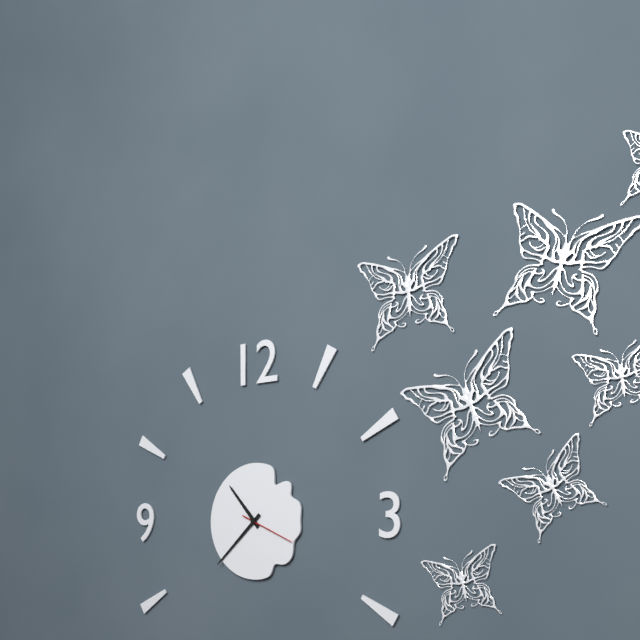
10:38:19
